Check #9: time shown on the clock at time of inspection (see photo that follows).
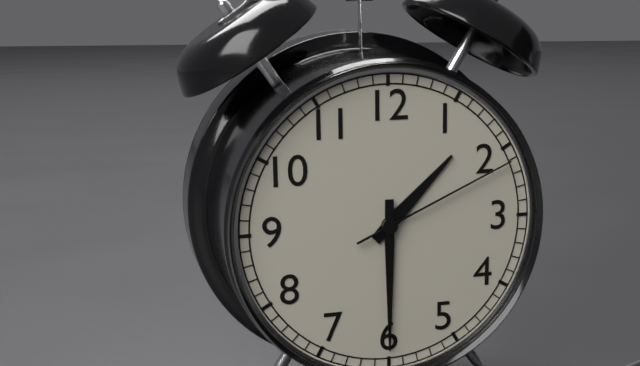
1:30:11
